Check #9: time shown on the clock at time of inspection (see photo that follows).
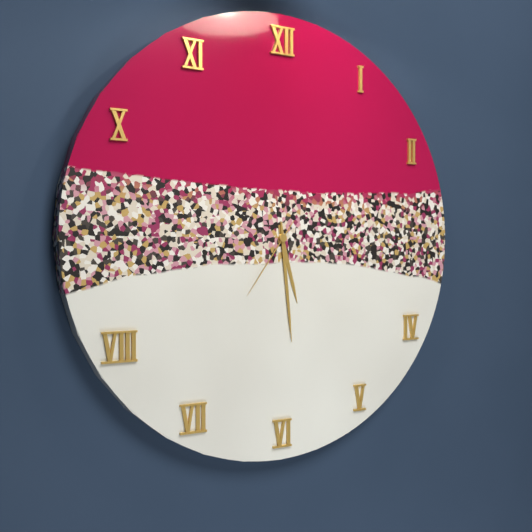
5:29:36
